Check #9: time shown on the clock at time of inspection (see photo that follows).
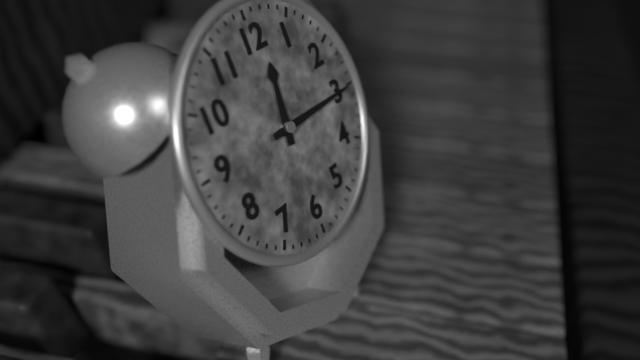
12:15
